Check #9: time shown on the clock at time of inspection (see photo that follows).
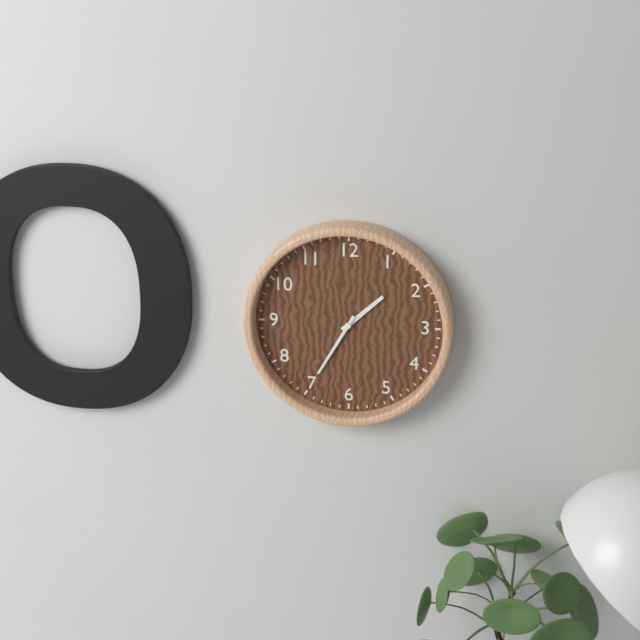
1:35
